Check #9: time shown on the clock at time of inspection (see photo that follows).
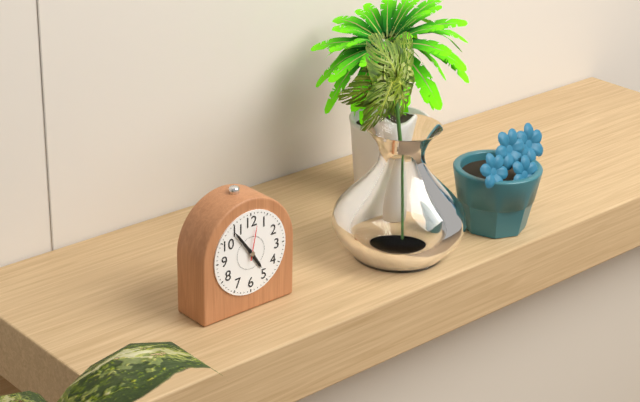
4:54
